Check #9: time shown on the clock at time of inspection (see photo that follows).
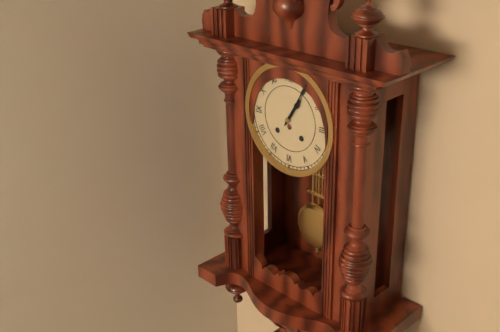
1:05
